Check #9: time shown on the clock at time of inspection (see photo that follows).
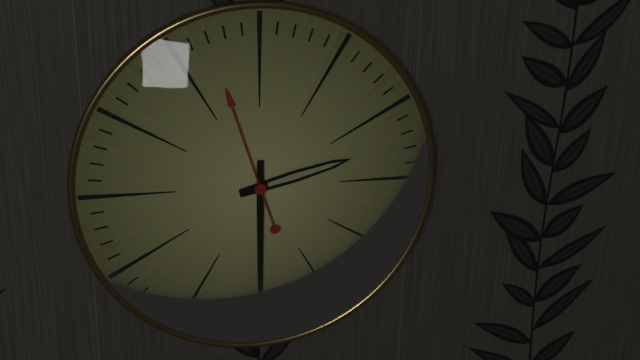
2:30:57
